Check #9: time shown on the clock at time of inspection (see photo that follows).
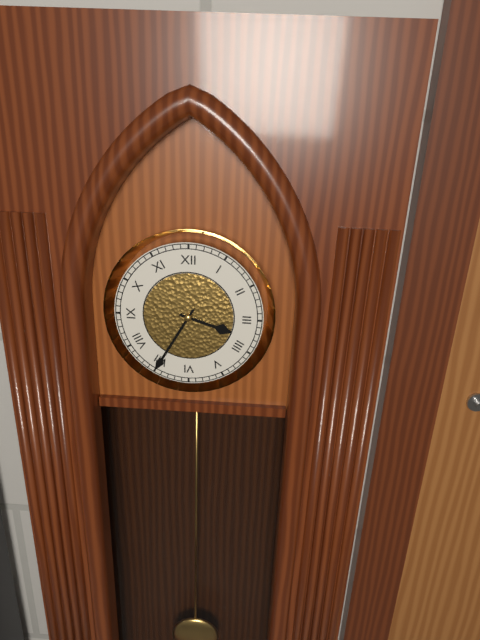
3:35
